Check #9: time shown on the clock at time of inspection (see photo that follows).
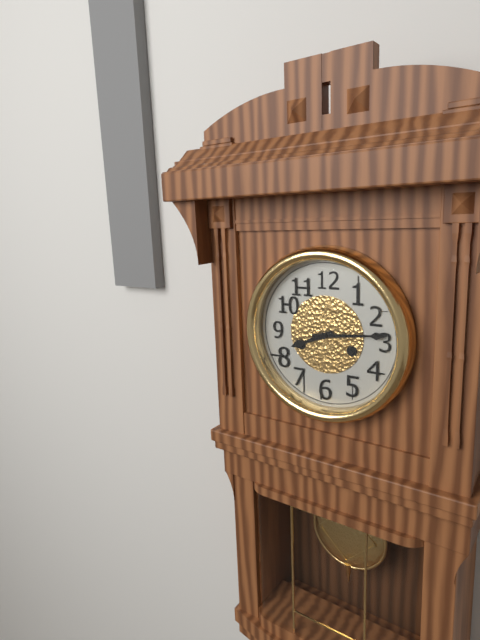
8:14
